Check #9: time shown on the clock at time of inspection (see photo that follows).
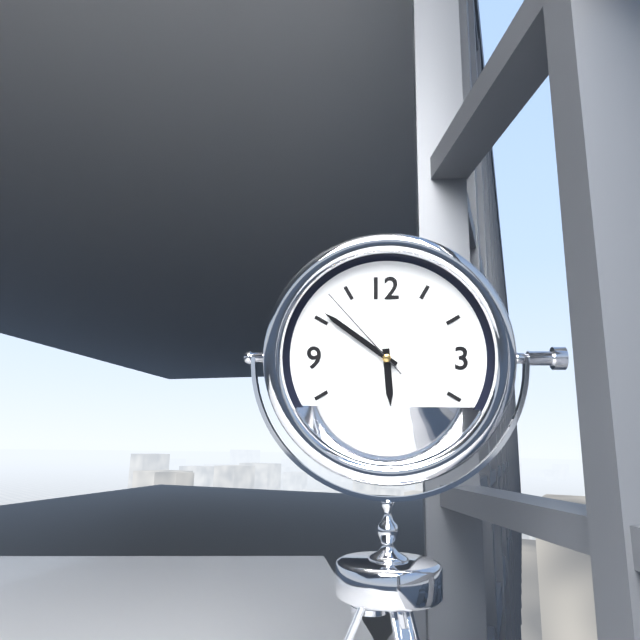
5:51:53
